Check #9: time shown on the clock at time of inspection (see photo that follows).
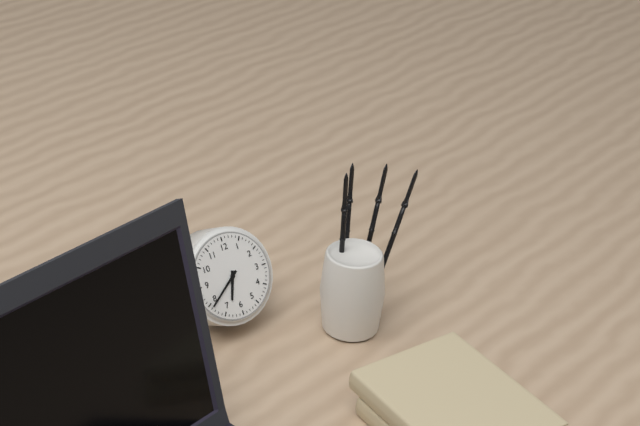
6:39
